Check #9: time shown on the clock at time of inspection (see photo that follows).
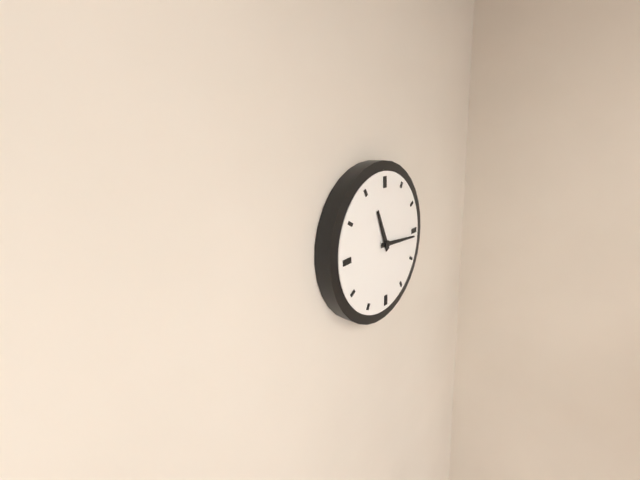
11:16
